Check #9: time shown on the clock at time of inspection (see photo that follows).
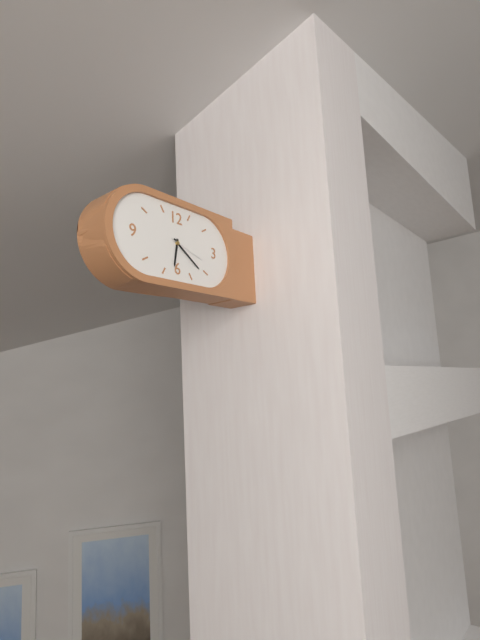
6:21:18
